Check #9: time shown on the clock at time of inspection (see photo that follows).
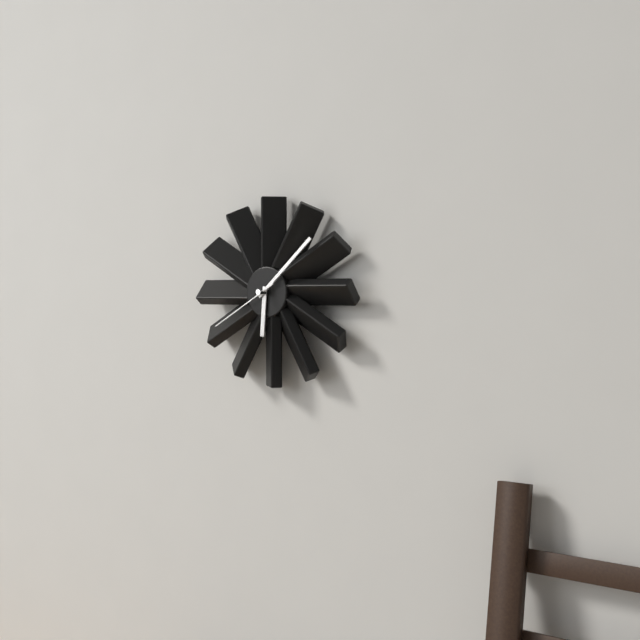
6:08:40
